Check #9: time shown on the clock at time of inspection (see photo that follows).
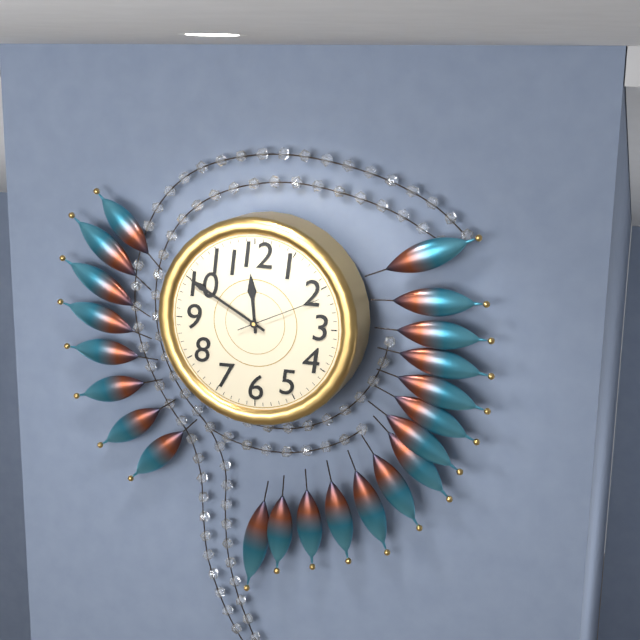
11:50:11
